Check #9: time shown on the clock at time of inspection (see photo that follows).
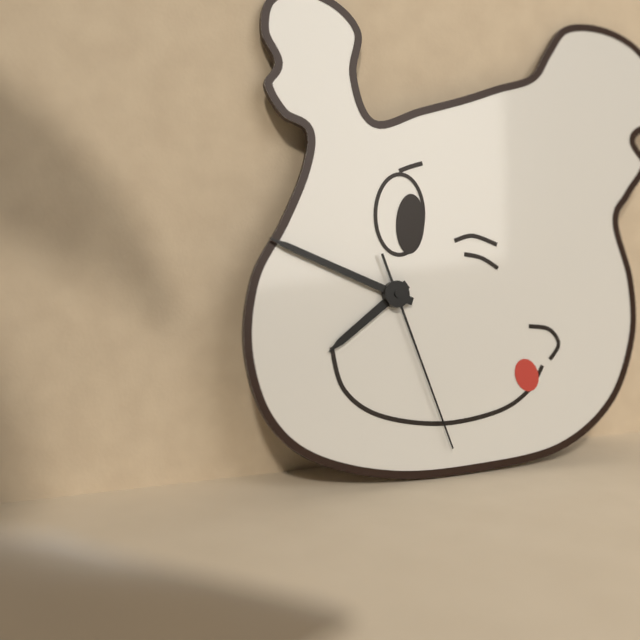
7:49:27
